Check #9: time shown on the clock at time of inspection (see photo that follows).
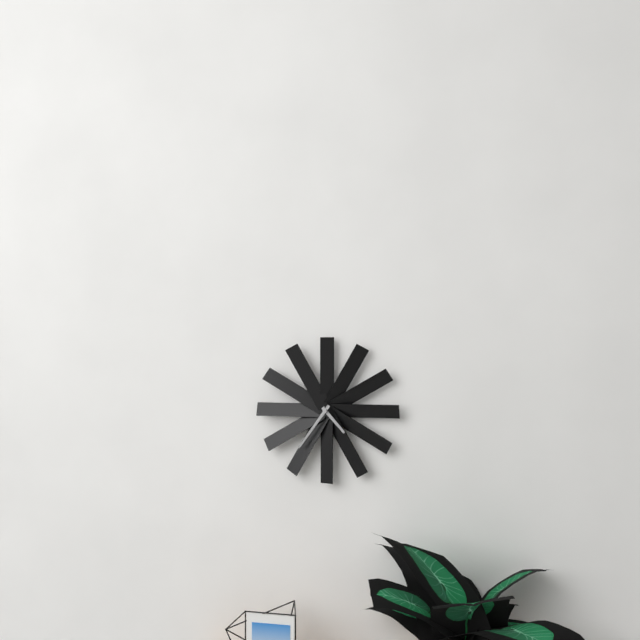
4:36
